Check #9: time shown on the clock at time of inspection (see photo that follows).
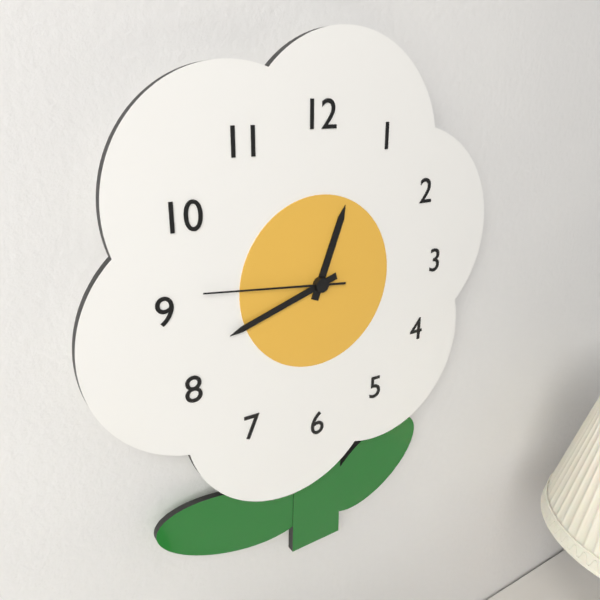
12:42:46
